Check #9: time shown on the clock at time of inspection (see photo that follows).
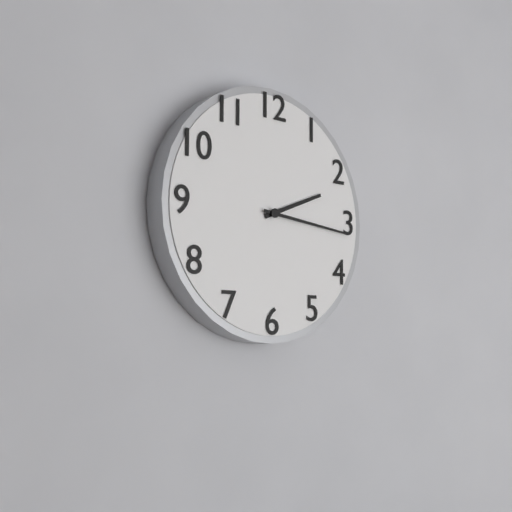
2:16
